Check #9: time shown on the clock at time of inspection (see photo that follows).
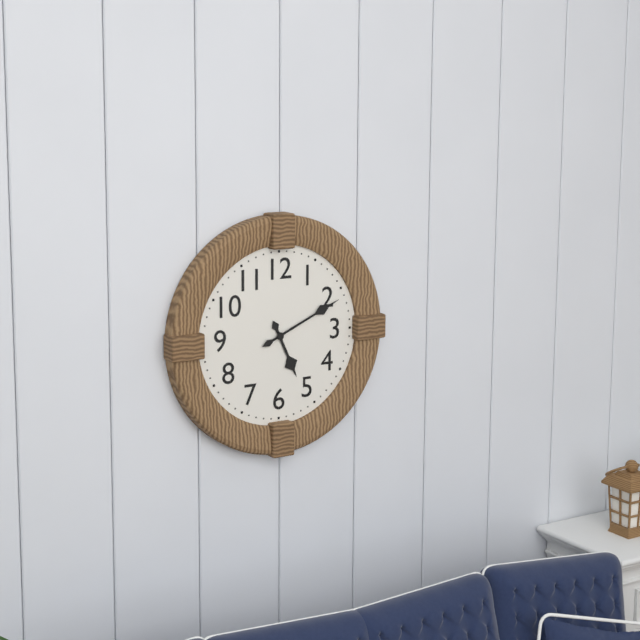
5:11
